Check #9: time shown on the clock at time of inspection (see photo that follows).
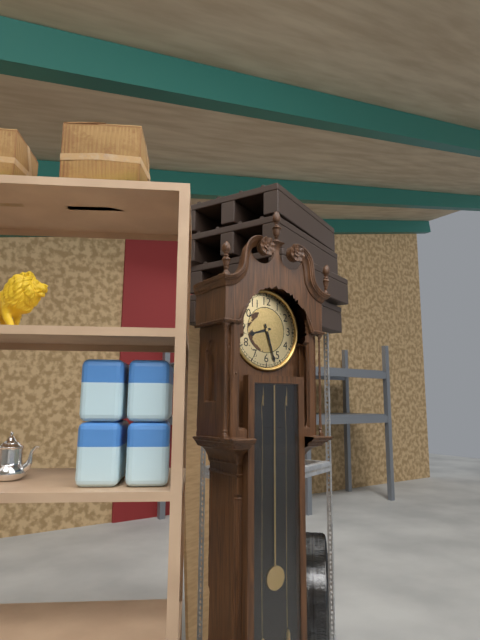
8:27
